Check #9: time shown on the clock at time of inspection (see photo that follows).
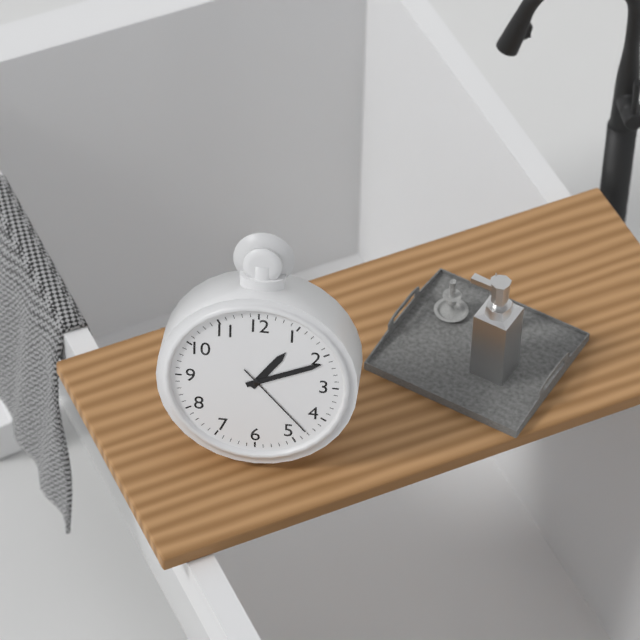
1:11:23
